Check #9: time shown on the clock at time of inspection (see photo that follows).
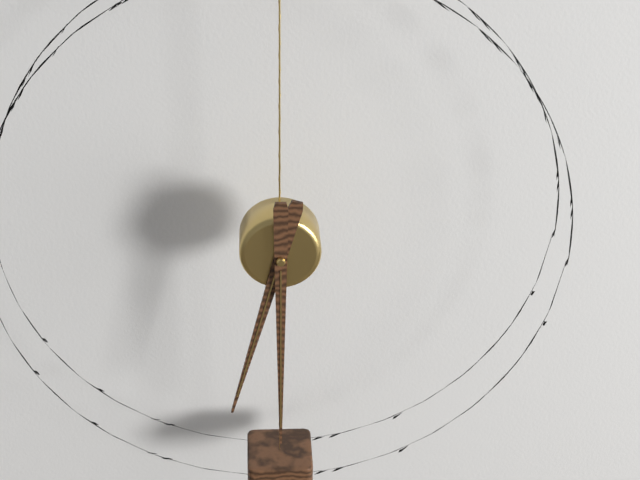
6:30
